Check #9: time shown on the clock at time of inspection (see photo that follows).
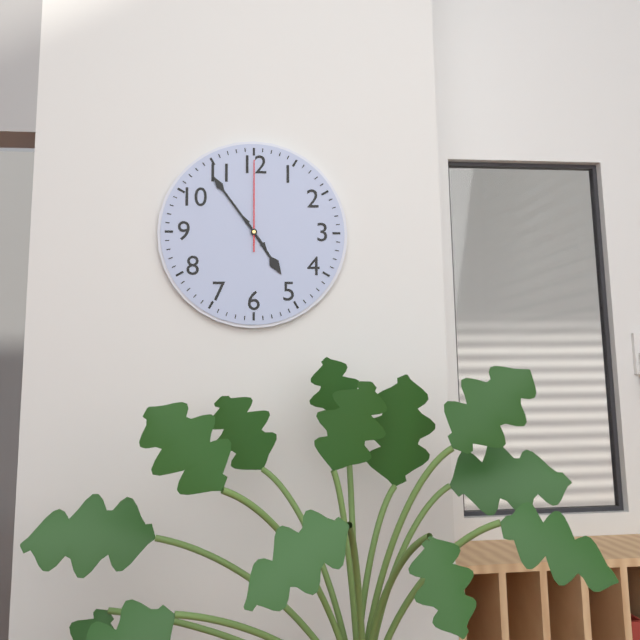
4:54:00
